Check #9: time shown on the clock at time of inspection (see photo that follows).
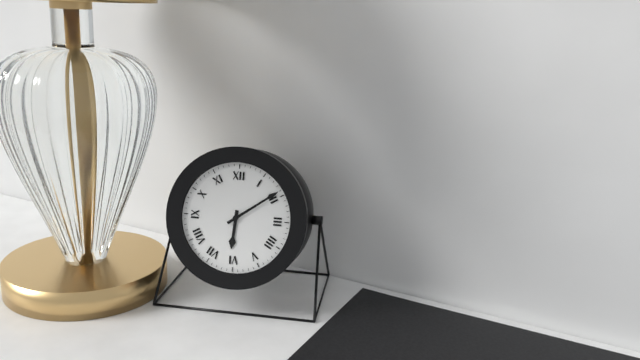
6:09
